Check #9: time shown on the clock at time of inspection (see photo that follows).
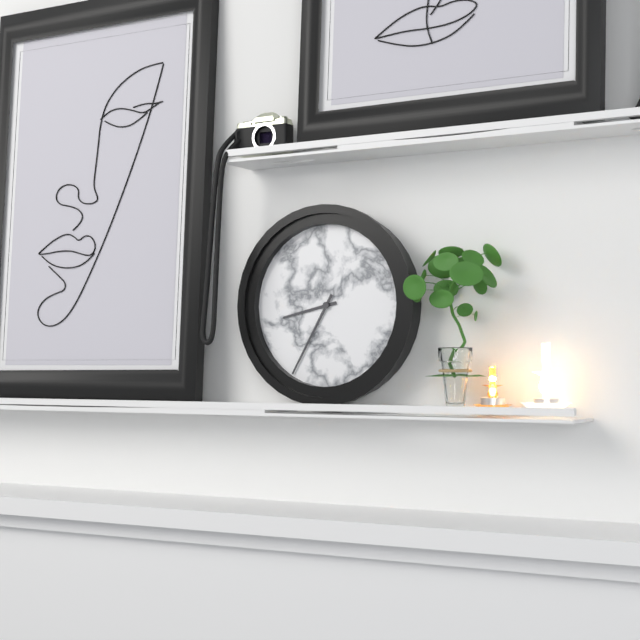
8:35
